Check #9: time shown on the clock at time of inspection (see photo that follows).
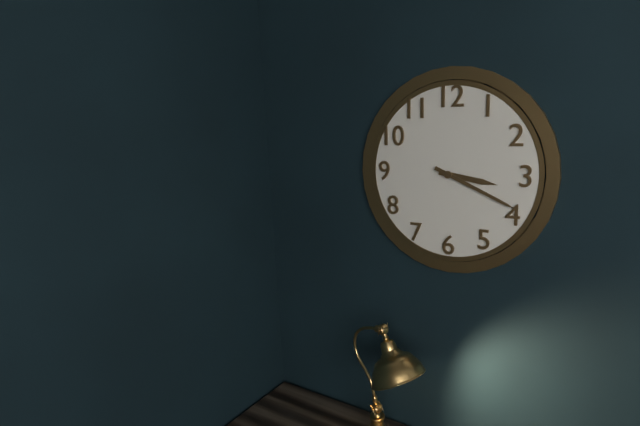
3:19
